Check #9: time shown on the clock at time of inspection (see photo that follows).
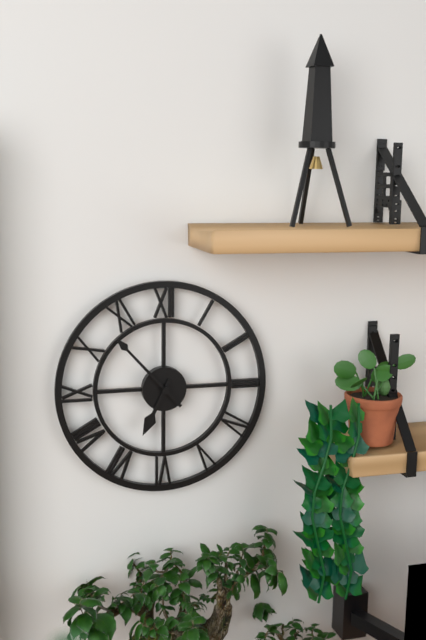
6:53
